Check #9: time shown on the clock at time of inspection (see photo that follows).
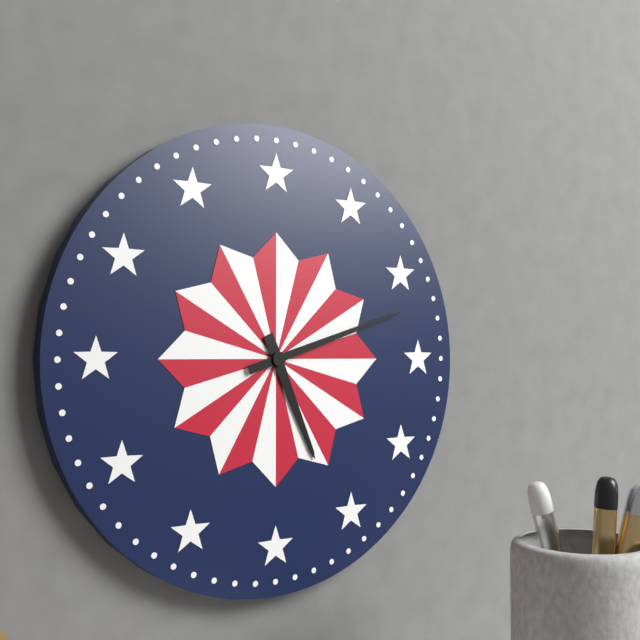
5:12
